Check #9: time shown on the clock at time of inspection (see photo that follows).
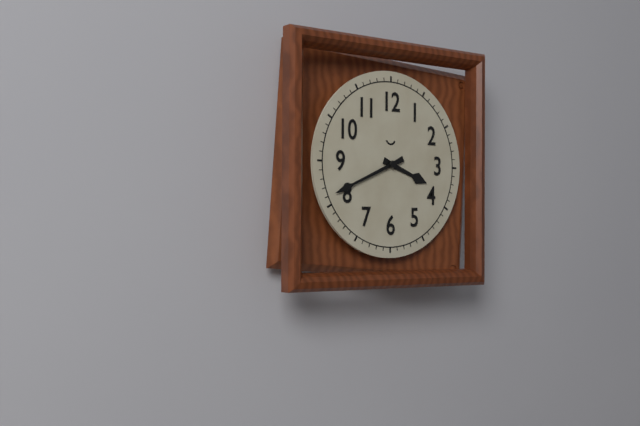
3:41
